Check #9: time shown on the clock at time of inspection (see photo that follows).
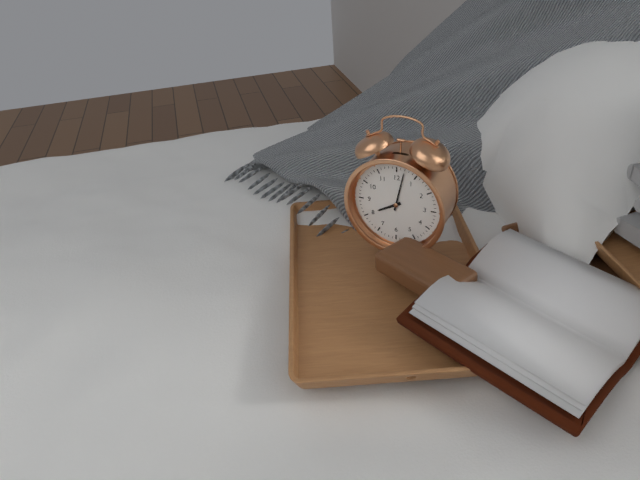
8:02
